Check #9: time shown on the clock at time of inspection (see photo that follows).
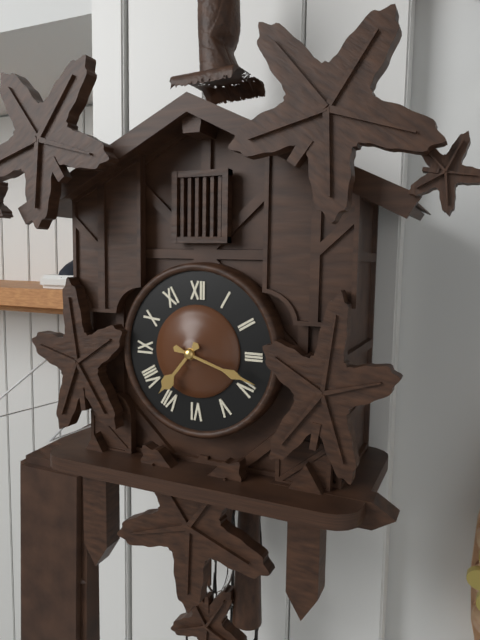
7:18
